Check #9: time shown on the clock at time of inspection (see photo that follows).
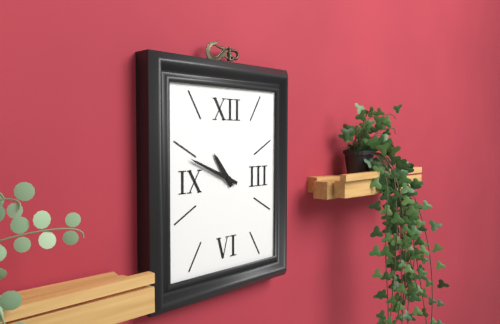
10:49
